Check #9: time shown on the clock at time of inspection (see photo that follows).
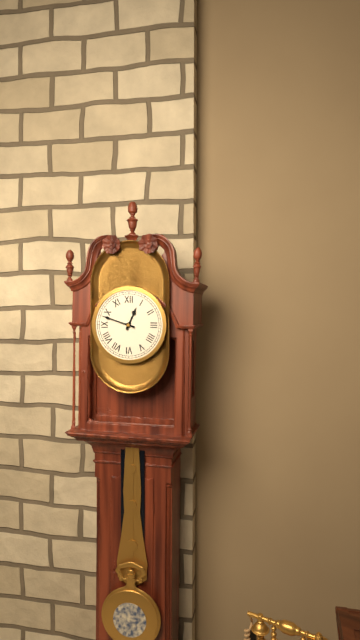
12:48
